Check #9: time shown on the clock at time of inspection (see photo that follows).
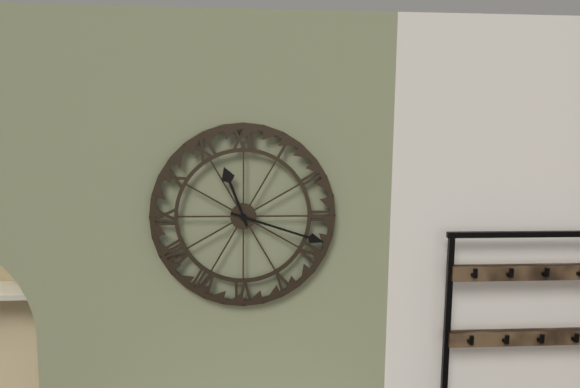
11:18
